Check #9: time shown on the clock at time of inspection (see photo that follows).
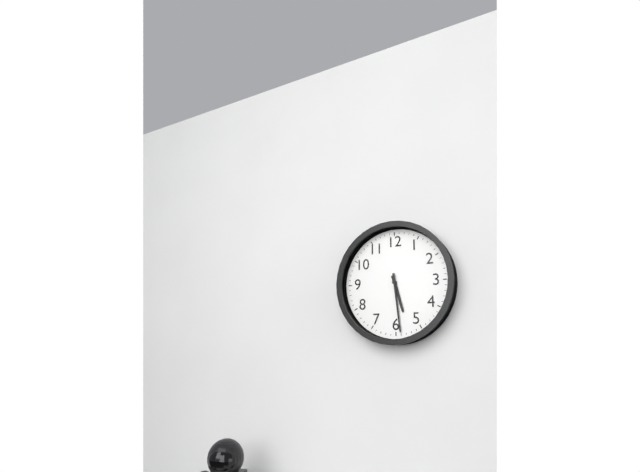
5:29
